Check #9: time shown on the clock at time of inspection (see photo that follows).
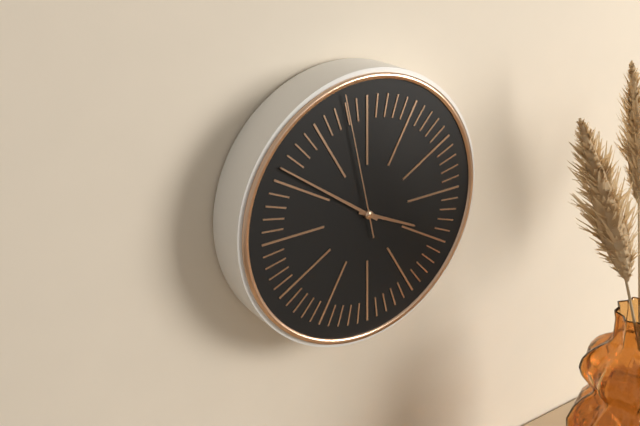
3:51:58
